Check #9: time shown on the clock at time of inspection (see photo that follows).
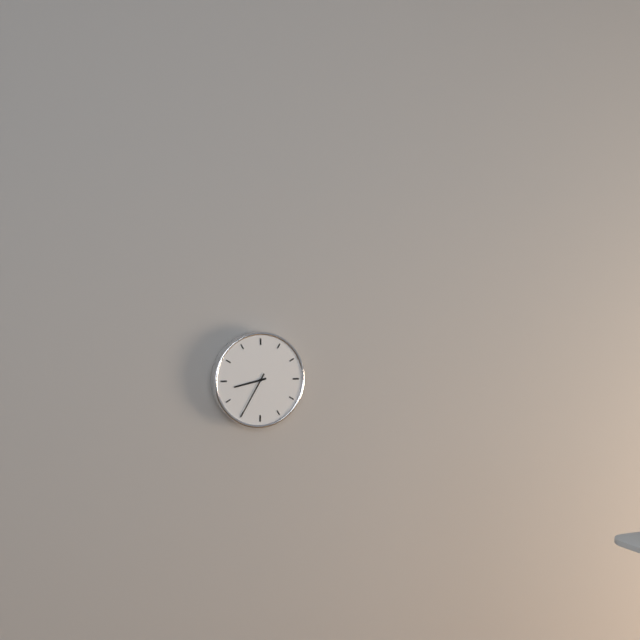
8:35
